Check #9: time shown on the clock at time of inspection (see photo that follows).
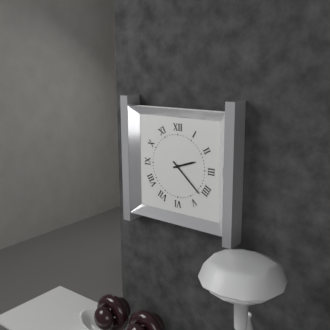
2:22
